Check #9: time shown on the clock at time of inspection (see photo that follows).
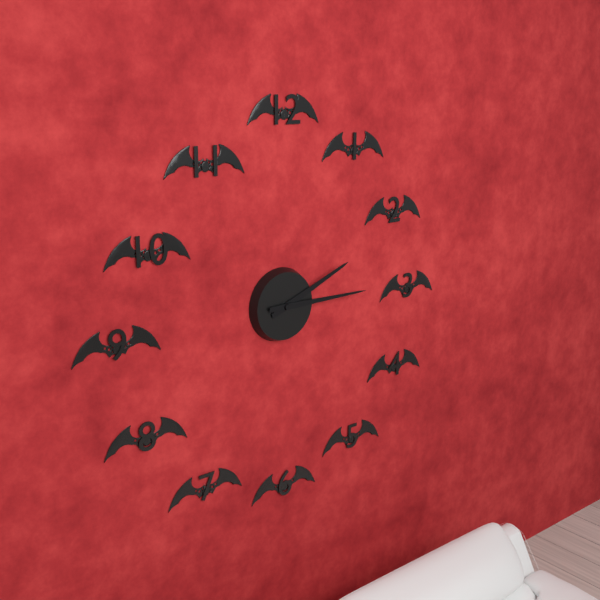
2:15
